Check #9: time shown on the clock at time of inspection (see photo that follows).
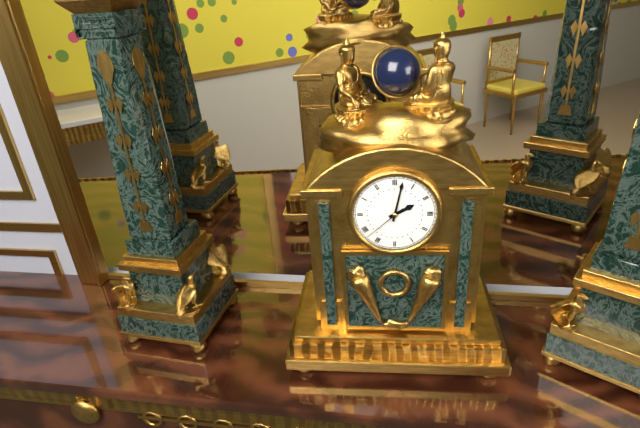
2:02
